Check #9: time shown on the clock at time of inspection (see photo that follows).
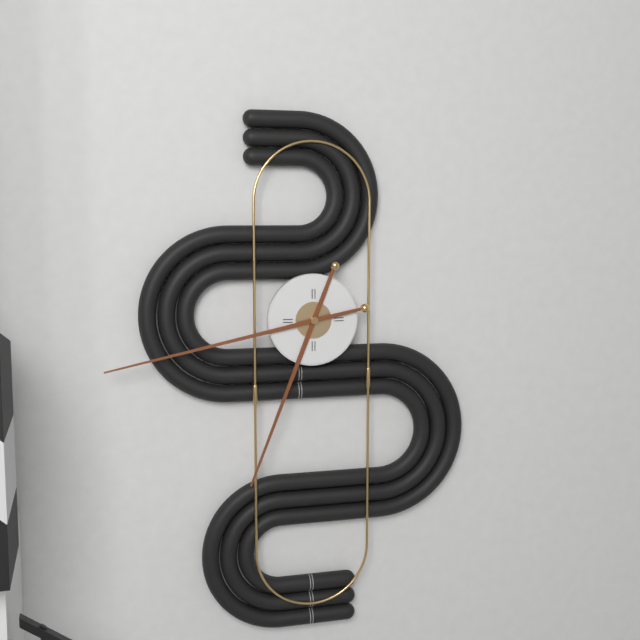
6:43
